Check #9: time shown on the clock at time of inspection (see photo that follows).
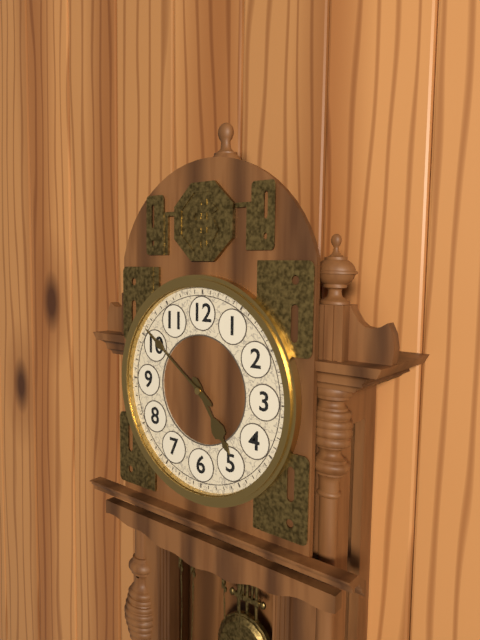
4:51
